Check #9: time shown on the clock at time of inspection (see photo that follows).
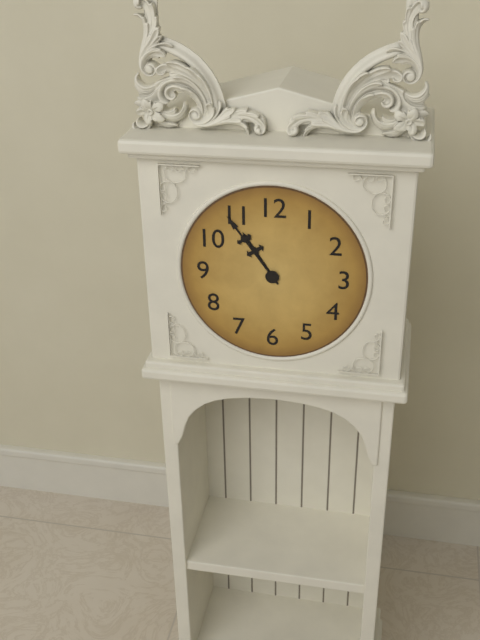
10:54
